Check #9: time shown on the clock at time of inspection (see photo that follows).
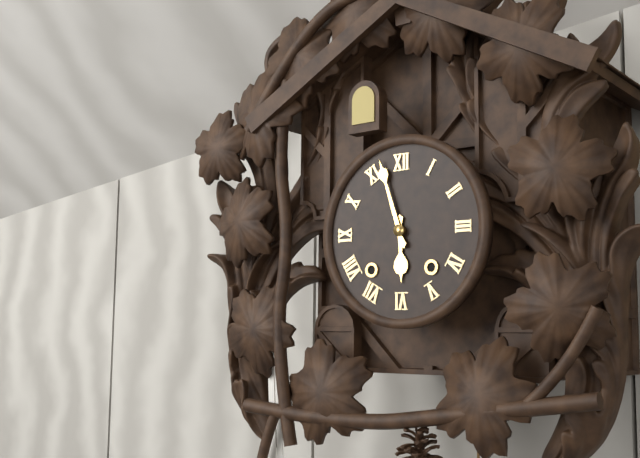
5:57
